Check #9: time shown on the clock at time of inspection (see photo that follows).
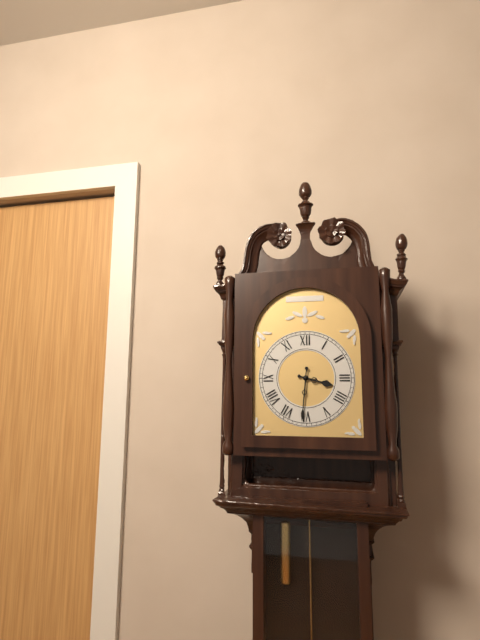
3:31
